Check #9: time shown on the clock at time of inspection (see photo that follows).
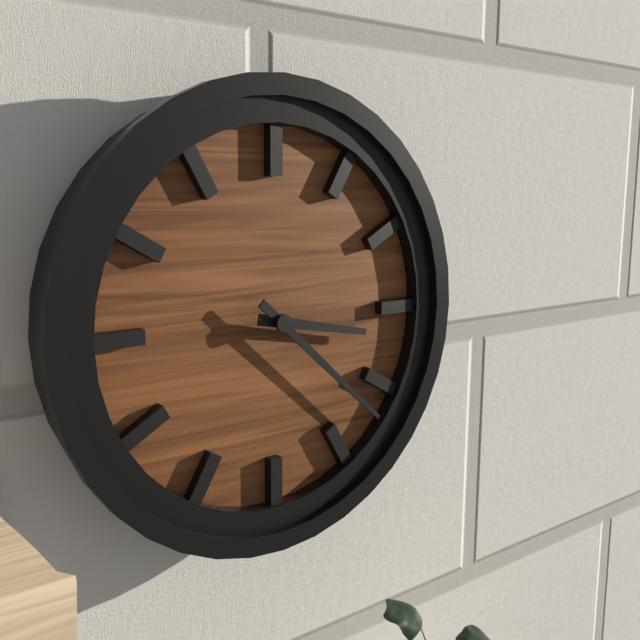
3:22
